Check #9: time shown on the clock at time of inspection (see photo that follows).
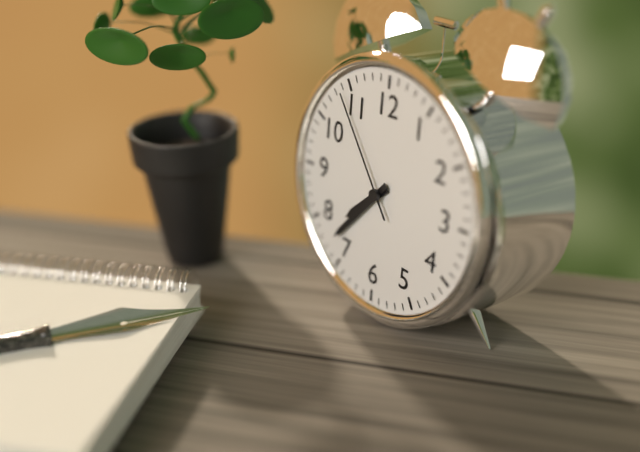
7:37:54
